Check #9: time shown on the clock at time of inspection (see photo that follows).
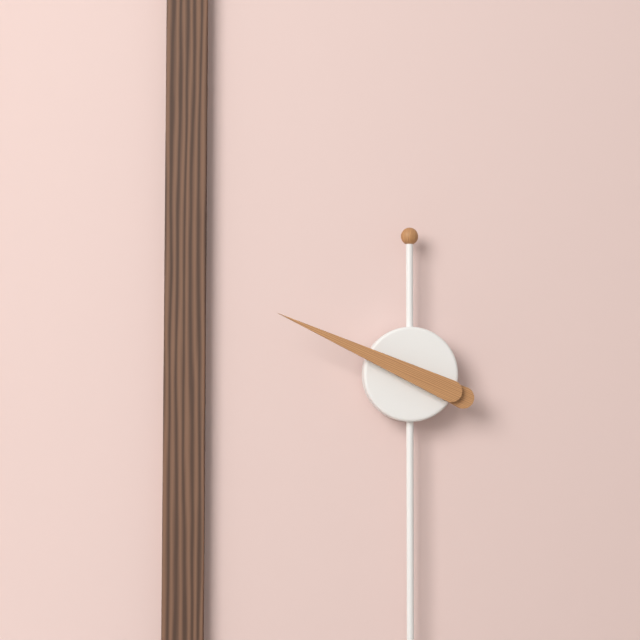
9:49
